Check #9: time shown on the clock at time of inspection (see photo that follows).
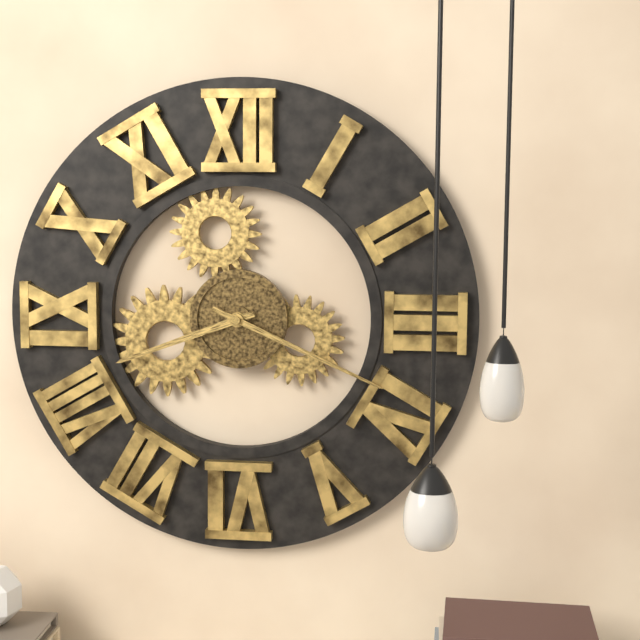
8:19
